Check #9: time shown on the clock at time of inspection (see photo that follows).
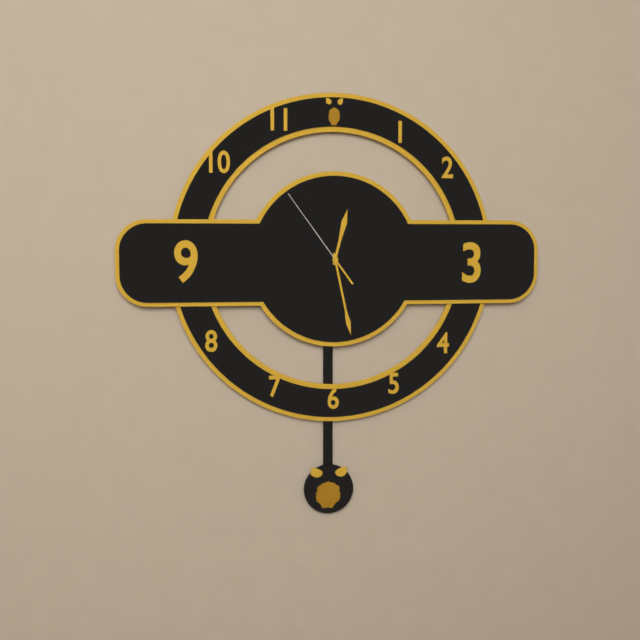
12:28:54
